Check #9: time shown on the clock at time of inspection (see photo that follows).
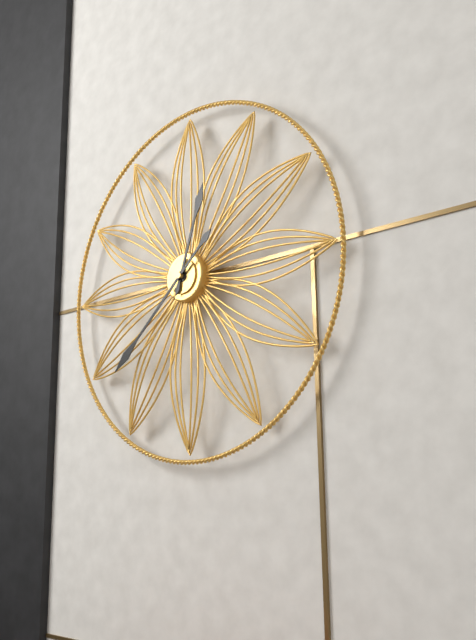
12:38
